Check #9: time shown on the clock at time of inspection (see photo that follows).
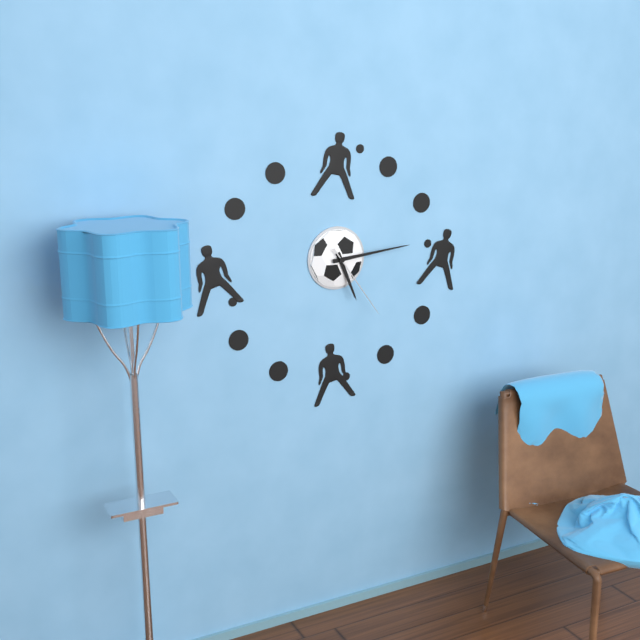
5:14:24
